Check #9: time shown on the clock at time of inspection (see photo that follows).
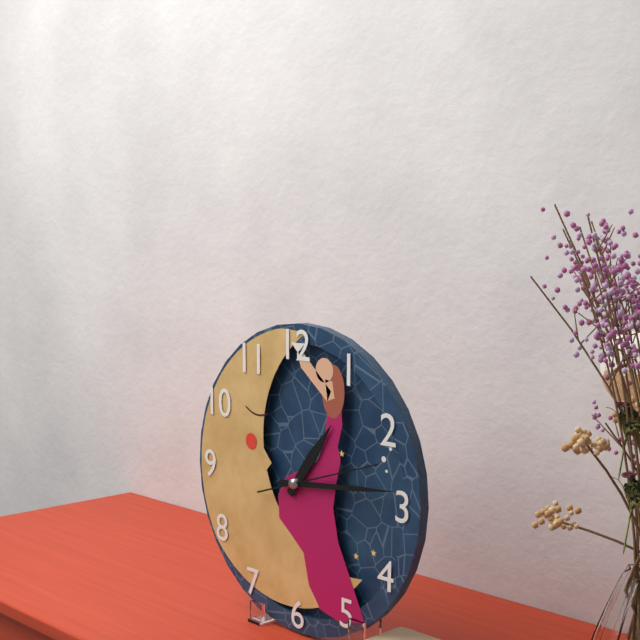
1:14:12
